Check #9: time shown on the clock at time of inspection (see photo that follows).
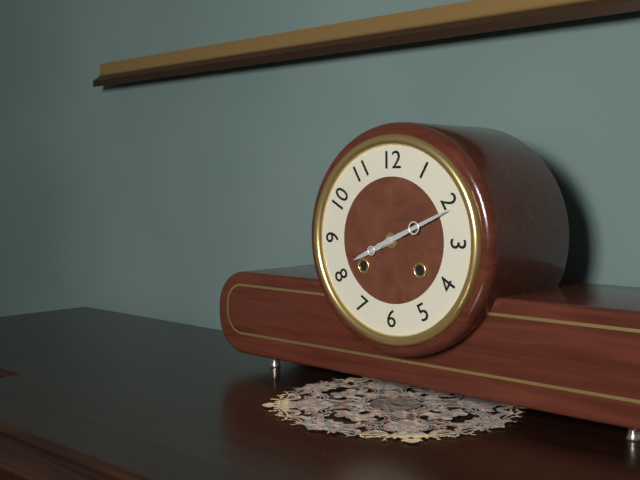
8:11
